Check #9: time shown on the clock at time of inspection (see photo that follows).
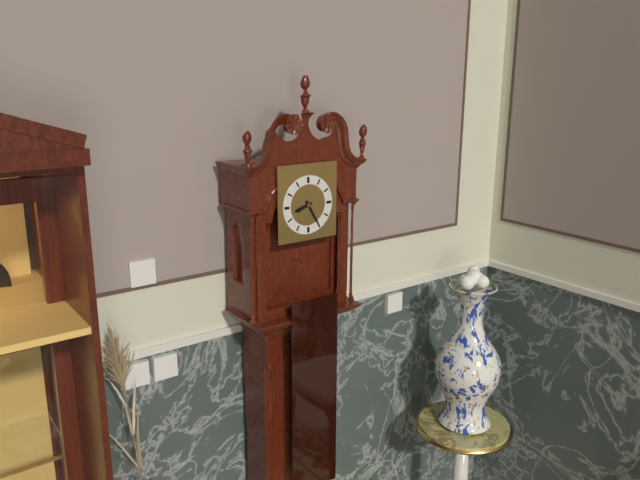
8:25
